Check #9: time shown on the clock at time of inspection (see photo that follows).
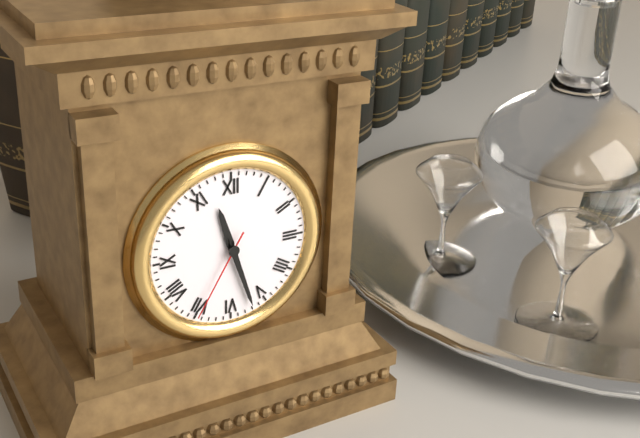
11:27:35
